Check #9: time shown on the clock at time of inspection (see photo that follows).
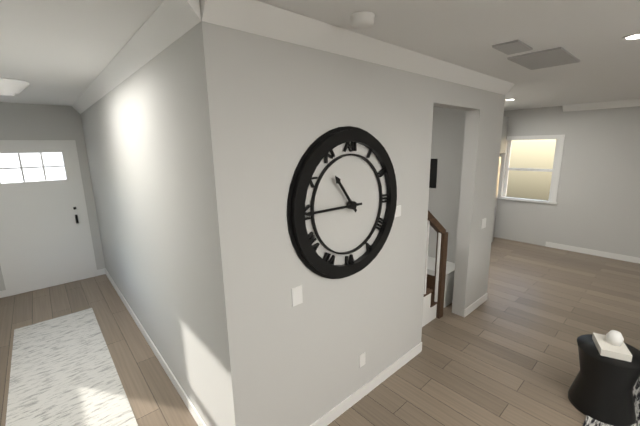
10:45
